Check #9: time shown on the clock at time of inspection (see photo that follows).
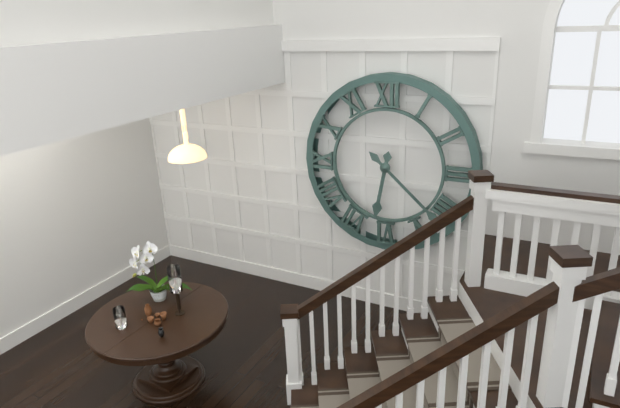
6:22
